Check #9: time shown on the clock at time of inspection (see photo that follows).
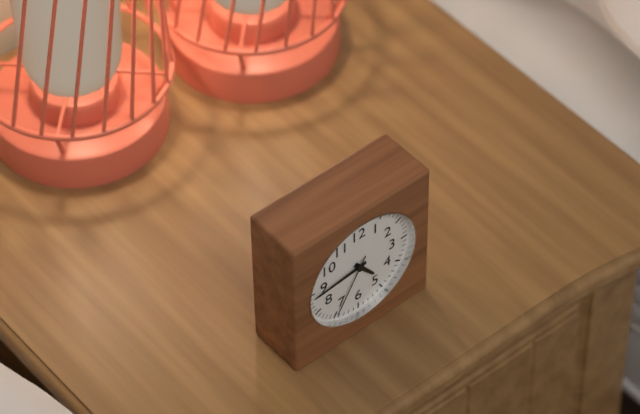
4:44:35
